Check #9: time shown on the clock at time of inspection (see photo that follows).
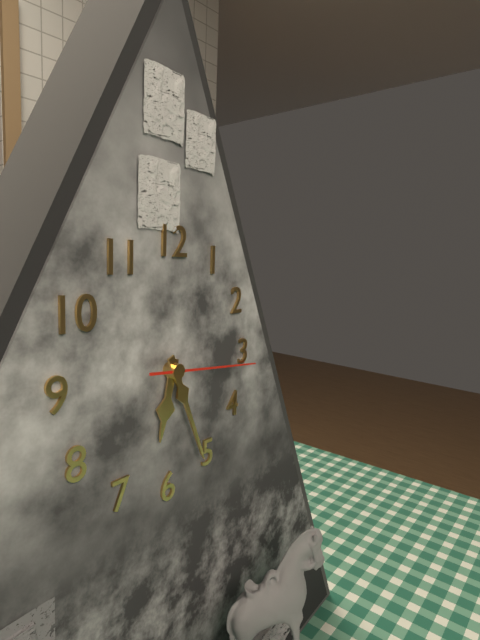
6:26:16
